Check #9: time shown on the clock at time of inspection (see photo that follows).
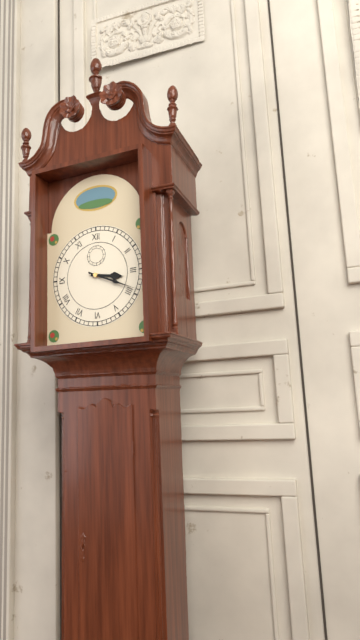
3:19
